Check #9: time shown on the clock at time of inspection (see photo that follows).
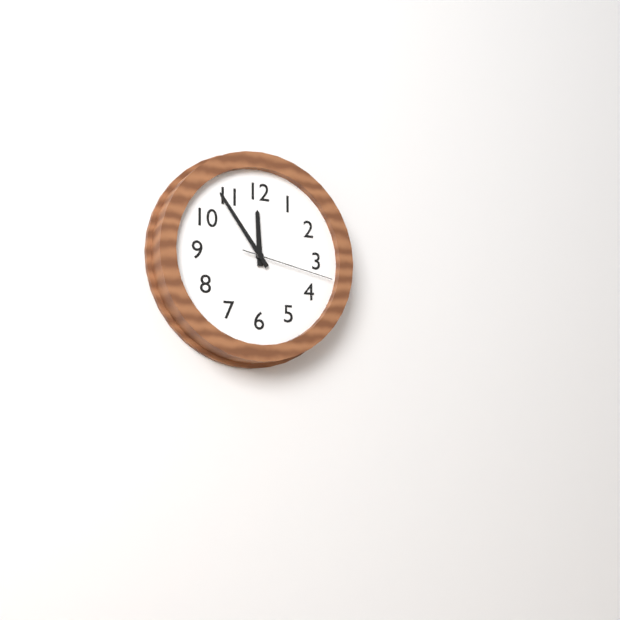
11:54:17
